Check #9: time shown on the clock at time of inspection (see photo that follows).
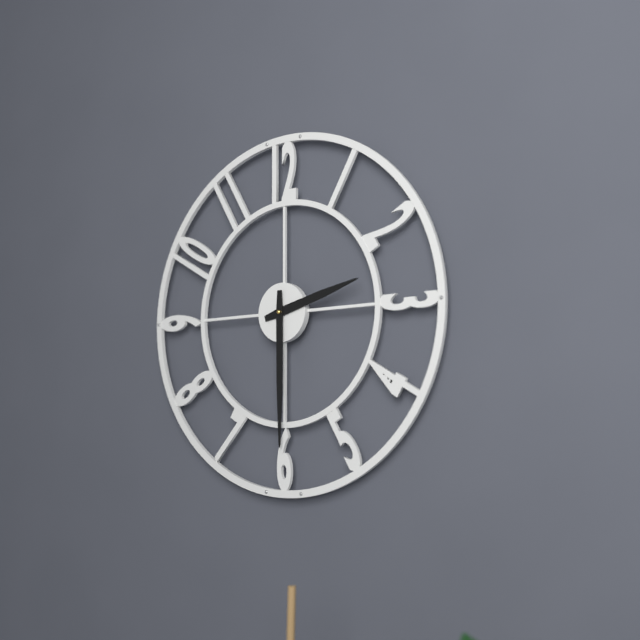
2:30
